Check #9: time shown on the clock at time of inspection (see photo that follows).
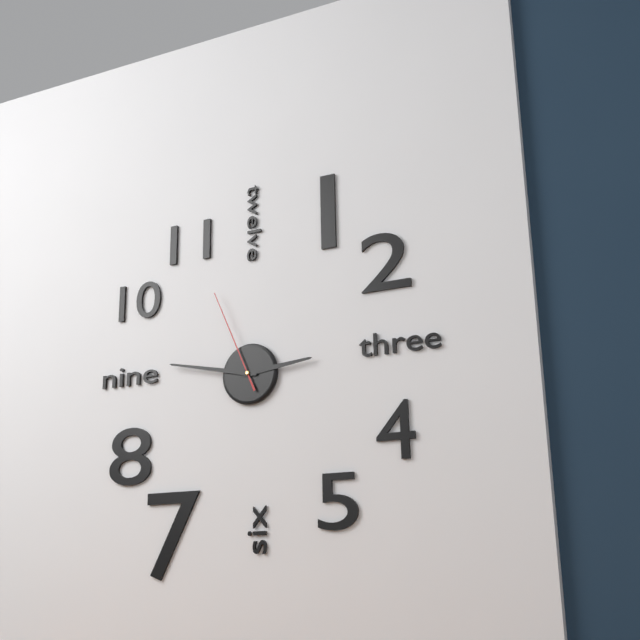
2:47:56
